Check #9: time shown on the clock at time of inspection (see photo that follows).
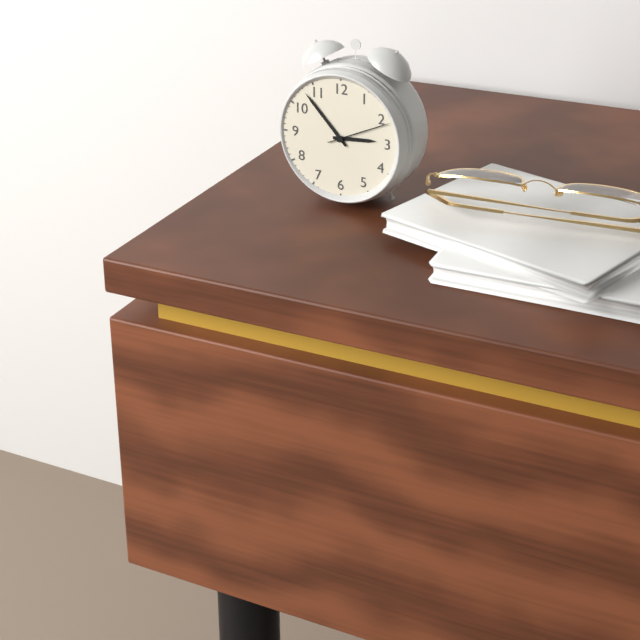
2:53:11
